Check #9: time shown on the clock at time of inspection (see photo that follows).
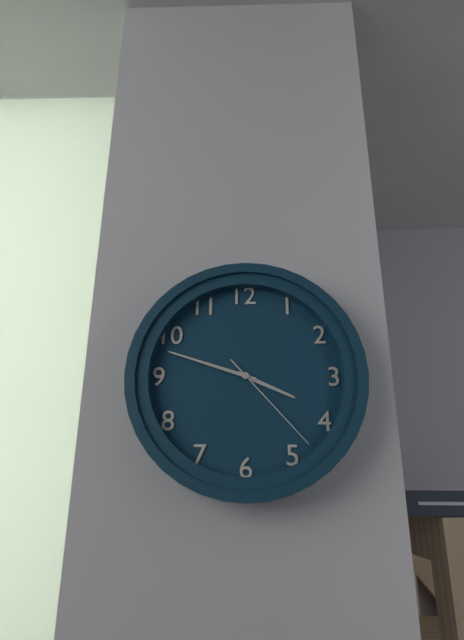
3:48:23
